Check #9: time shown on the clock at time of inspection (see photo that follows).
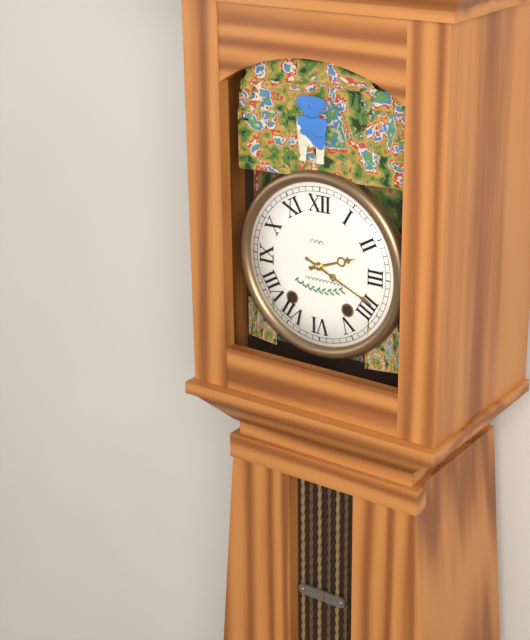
2:19
